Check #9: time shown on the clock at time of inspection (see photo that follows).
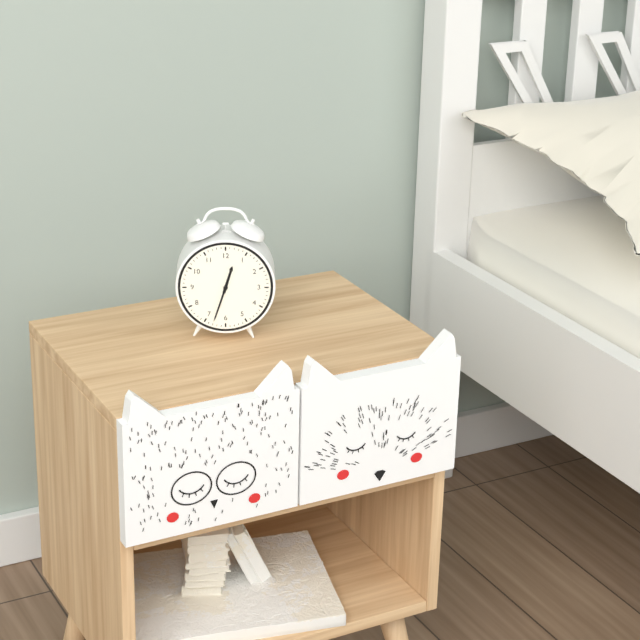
12:33
